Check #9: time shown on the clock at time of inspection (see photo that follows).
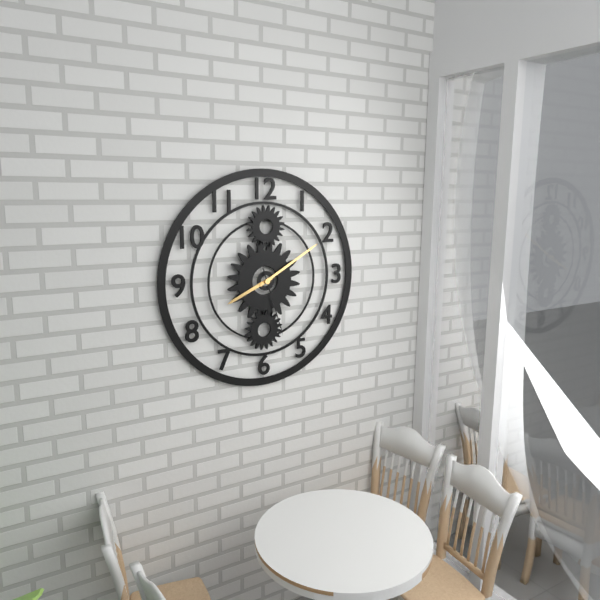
8:10:27
